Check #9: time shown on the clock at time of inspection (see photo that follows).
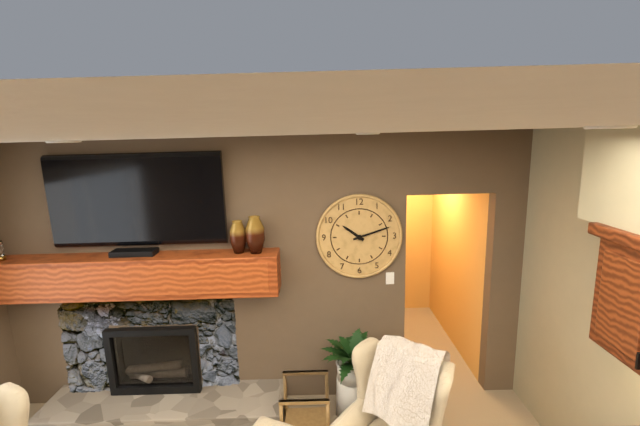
10:12
